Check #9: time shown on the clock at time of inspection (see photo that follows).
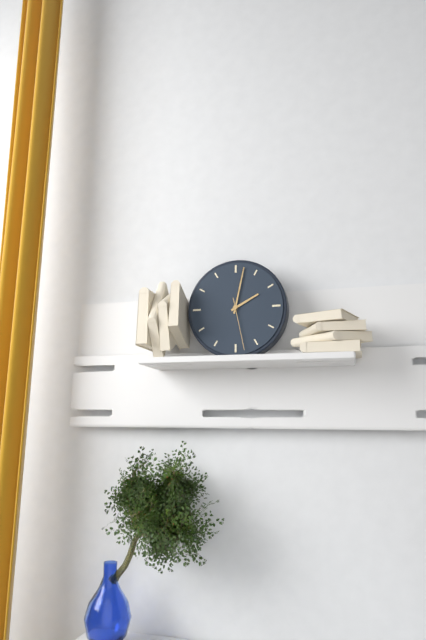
2:02:28
